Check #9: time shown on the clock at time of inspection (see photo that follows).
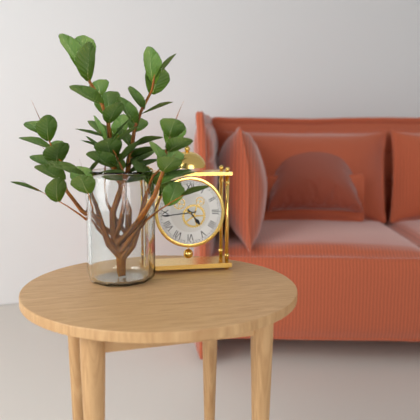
4:44
